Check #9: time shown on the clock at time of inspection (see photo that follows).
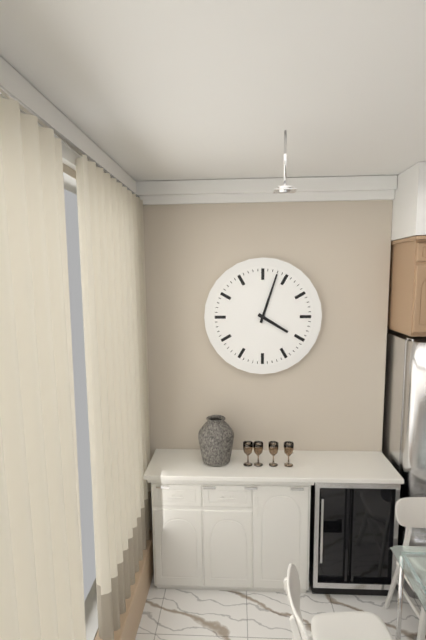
4:03
